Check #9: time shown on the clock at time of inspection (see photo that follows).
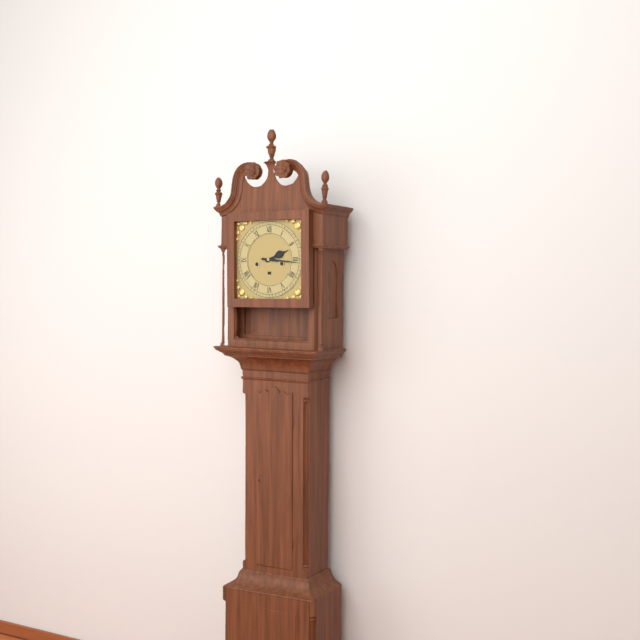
2:16
